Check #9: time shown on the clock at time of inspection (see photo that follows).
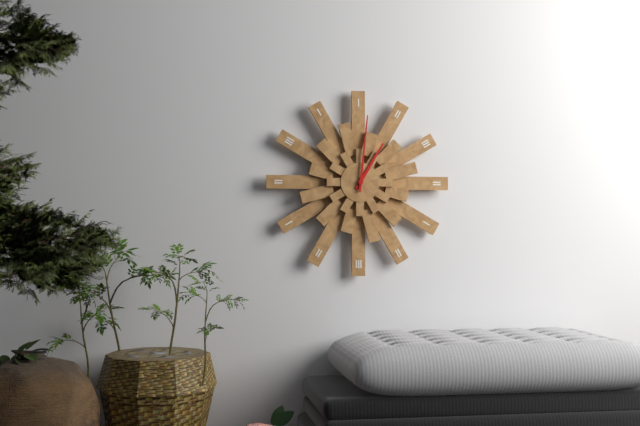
1:01
